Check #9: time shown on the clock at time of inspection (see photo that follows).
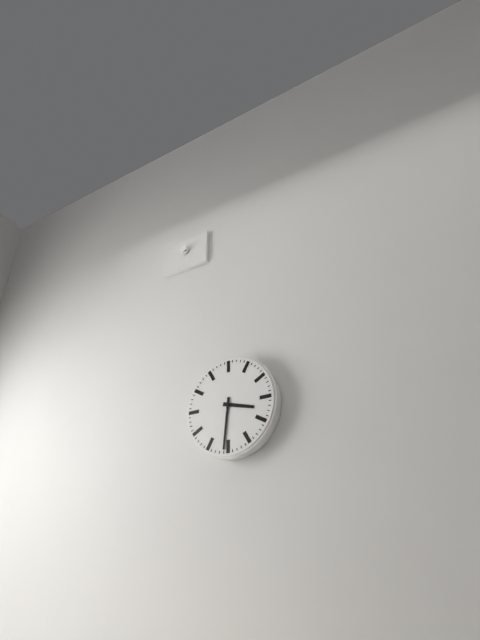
3:31
